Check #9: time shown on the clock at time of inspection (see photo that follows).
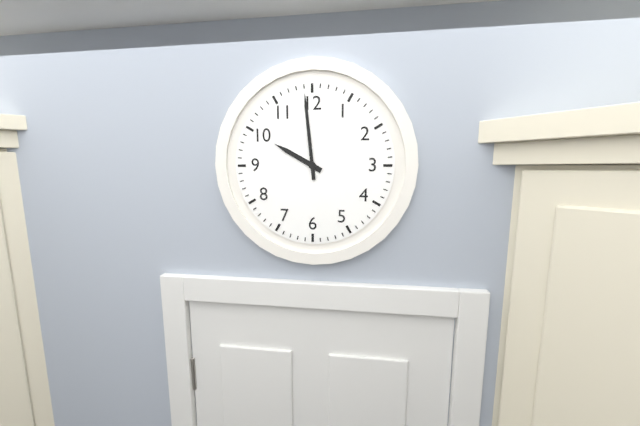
9:59
